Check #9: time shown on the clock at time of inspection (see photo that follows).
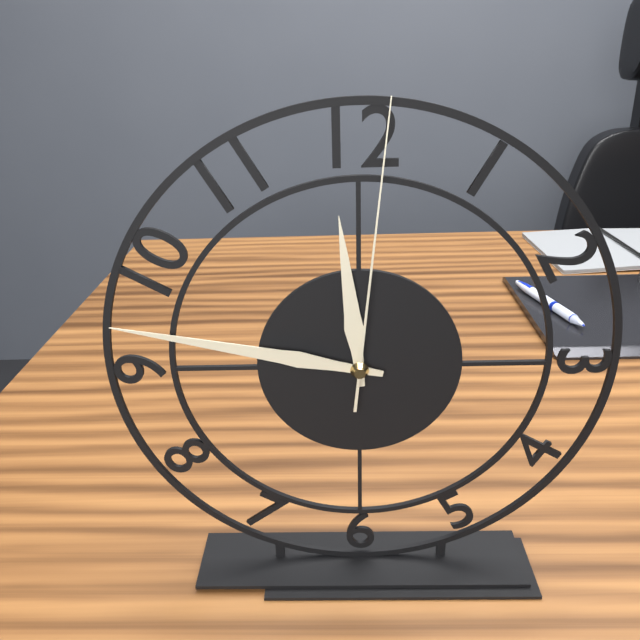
11:47:01
